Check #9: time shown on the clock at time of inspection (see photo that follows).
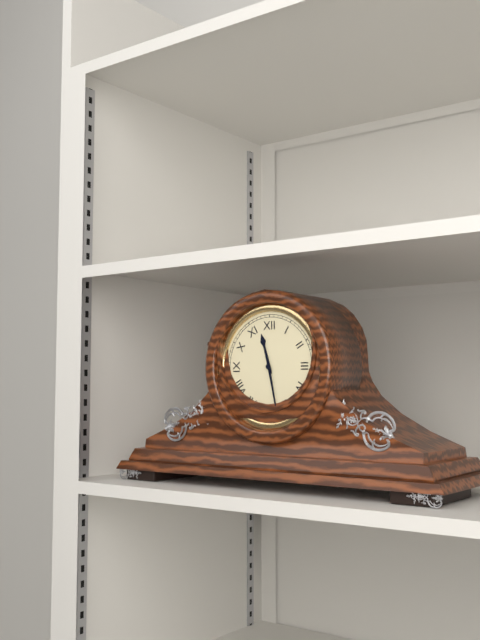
11:28
